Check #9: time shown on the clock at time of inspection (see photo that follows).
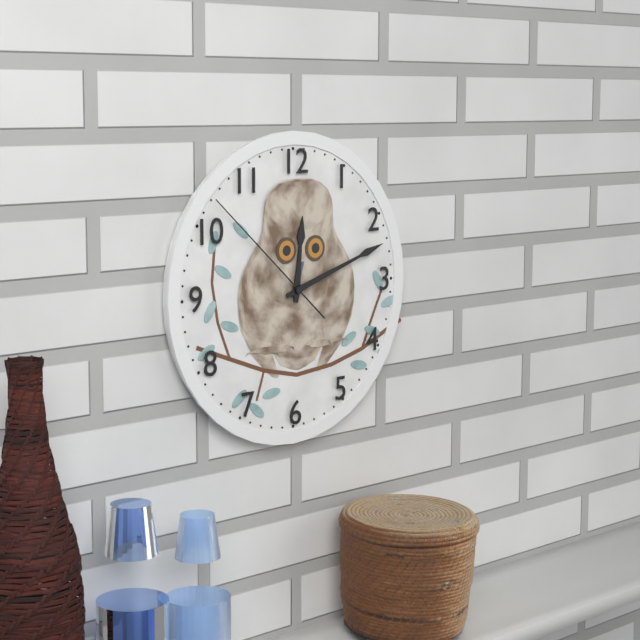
12:12:52
